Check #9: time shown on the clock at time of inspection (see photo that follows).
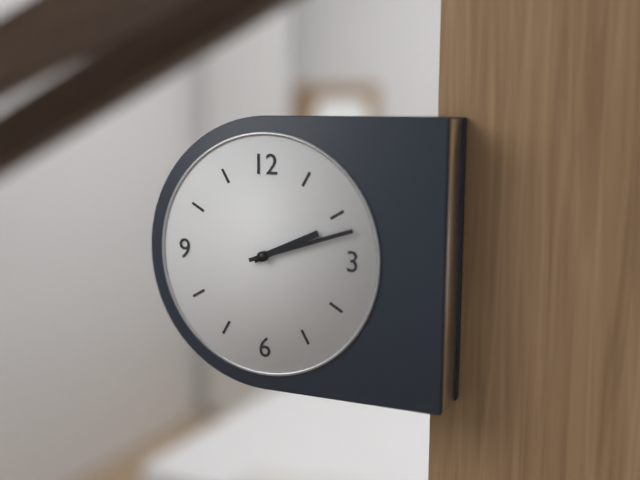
2:12
